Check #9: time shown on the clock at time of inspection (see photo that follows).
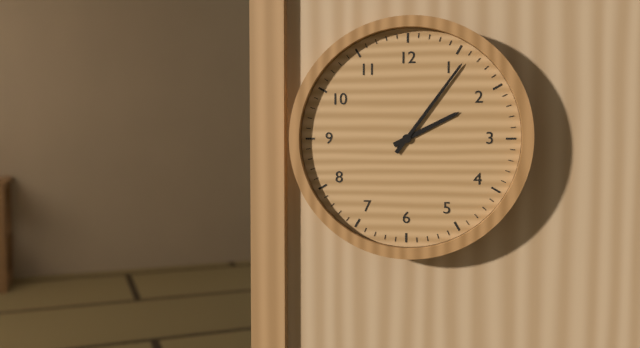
2:06
